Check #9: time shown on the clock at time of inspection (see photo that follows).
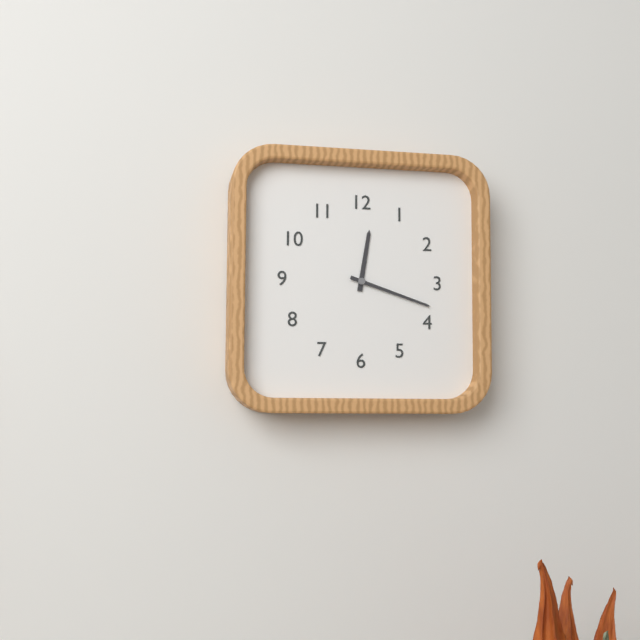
12:18
